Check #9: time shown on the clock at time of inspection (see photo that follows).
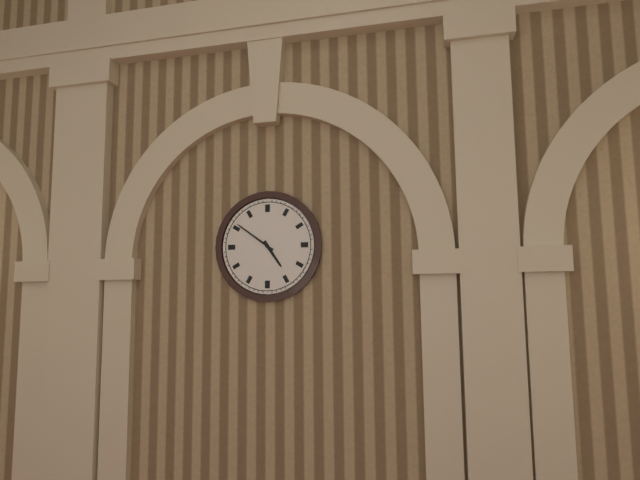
4:51
